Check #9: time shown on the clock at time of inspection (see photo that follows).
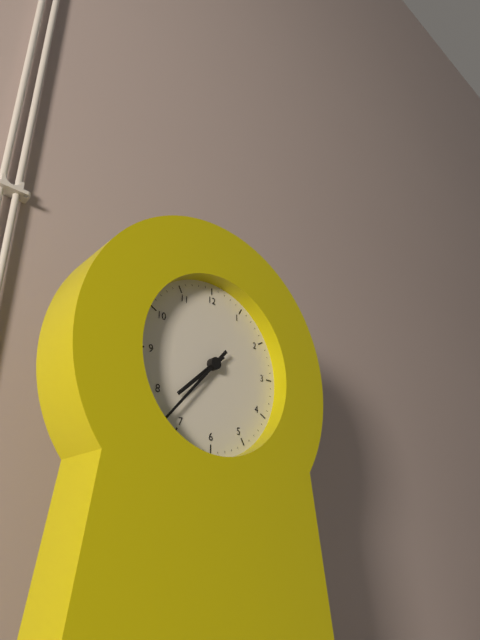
7:37
